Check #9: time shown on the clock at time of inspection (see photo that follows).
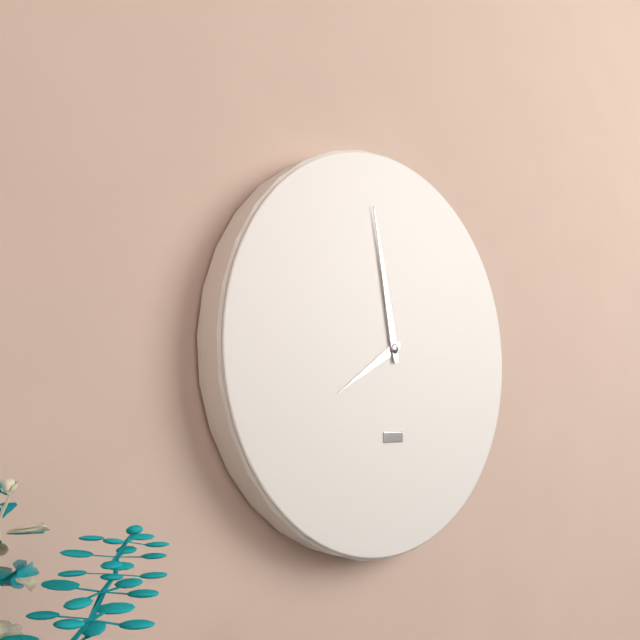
7:58
